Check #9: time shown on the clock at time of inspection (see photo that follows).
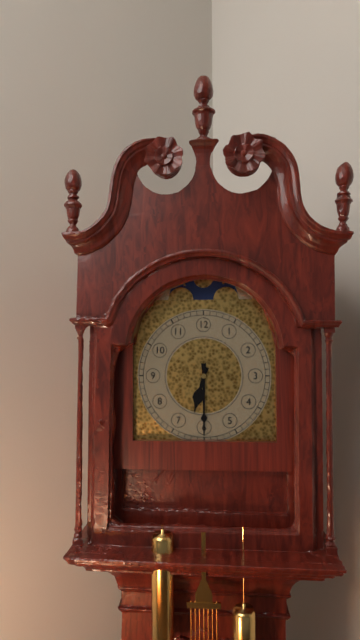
6:30
